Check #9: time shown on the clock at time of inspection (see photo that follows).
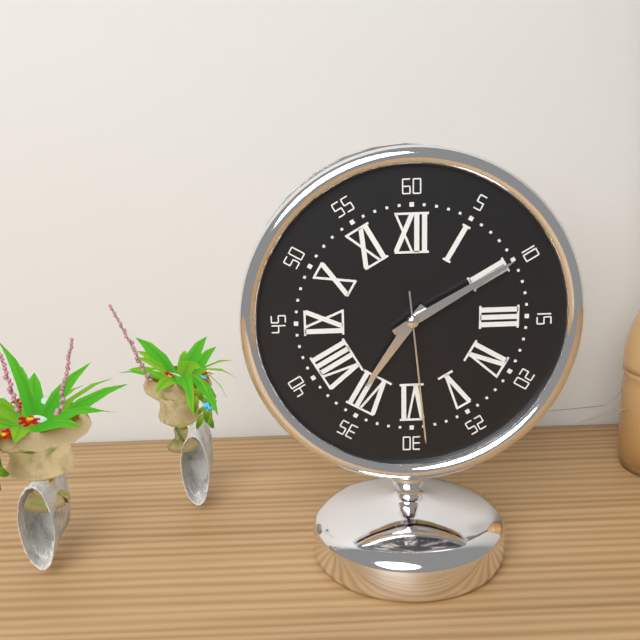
7:10:29
